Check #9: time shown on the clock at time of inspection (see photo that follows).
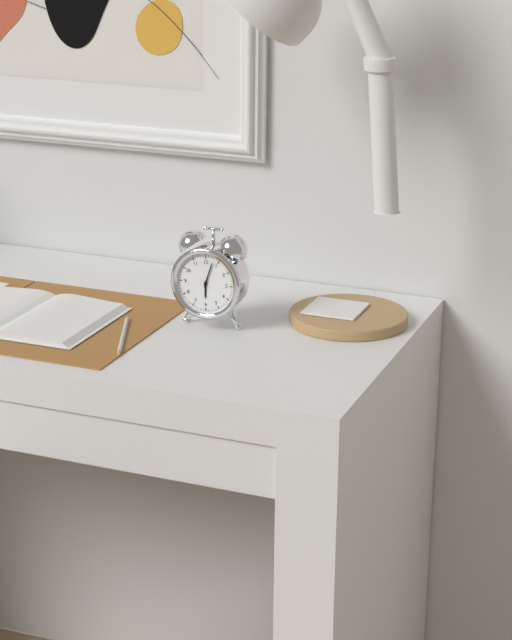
6:03
